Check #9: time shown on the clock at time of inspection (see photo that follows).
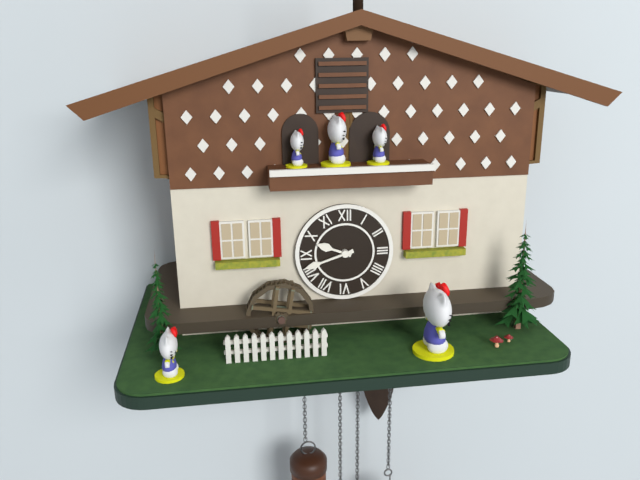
9:42
